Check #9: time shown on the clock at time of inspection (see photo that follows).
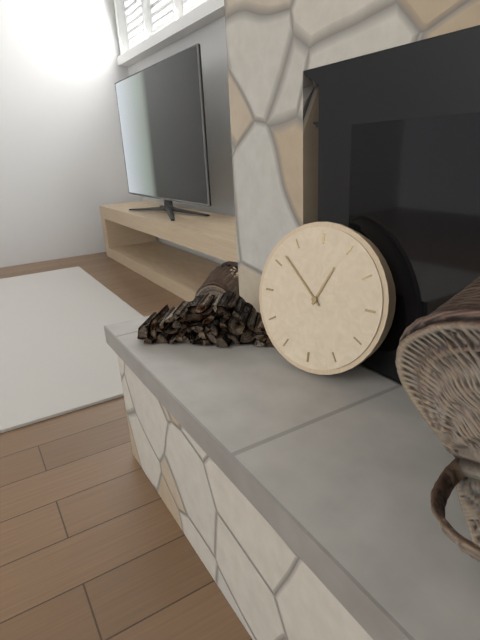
12:52
